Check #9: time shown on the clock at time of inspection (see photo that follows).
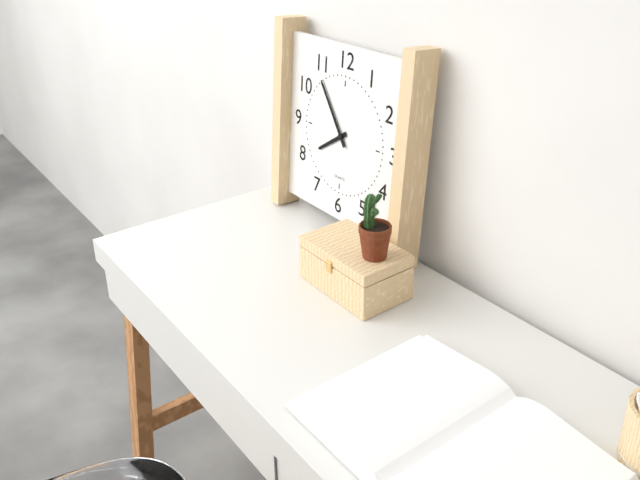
7:54
